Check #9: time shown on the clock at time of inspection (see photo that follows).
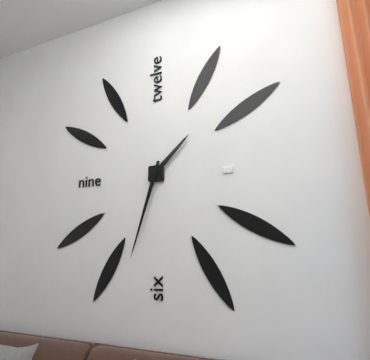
1:33
